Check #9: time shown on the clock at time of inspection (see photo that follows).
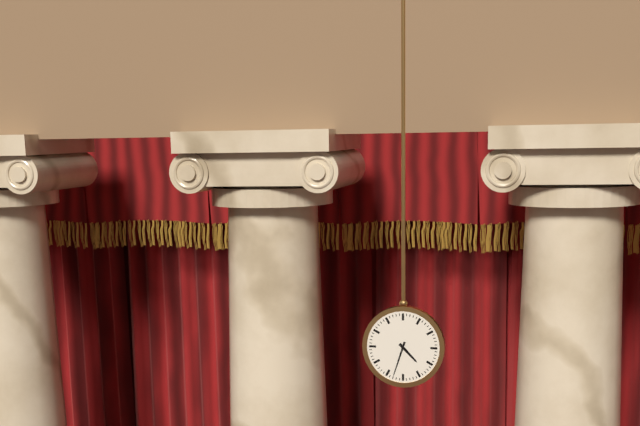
4:33
